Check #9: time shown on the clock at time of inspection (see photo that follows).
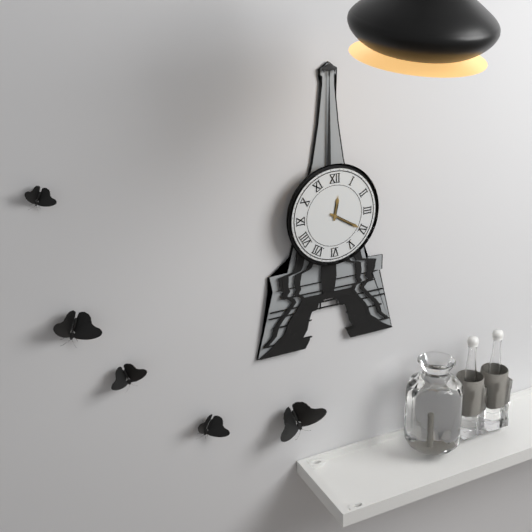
12:20
